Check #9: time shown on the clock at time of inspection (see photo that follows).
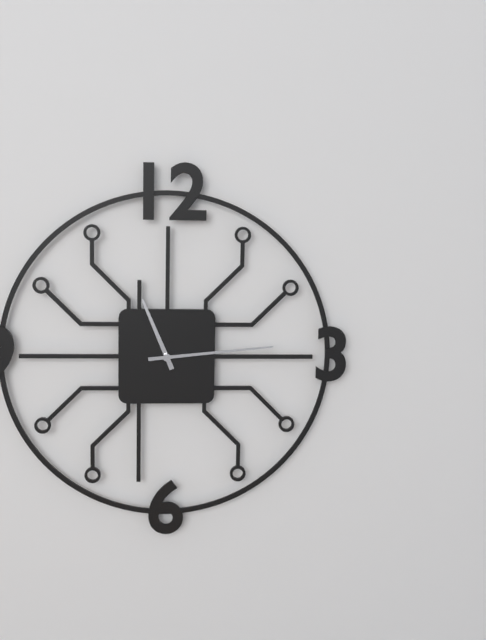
11:14
